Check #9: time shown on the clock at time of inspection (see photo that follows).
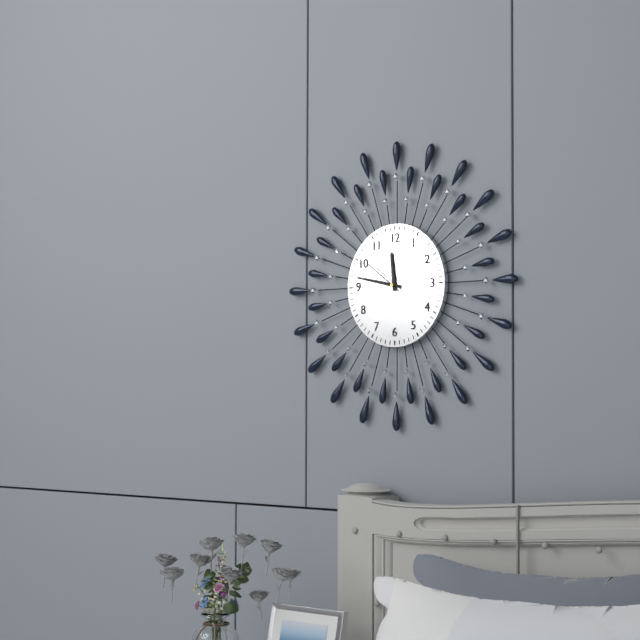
11:47
